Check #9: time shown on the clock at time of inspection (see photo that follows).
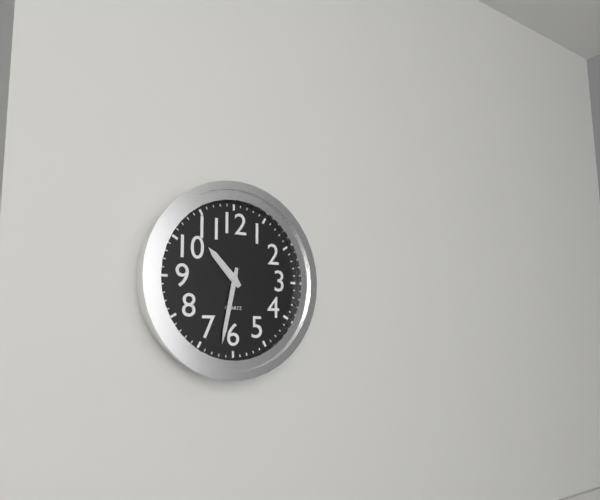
10:32
